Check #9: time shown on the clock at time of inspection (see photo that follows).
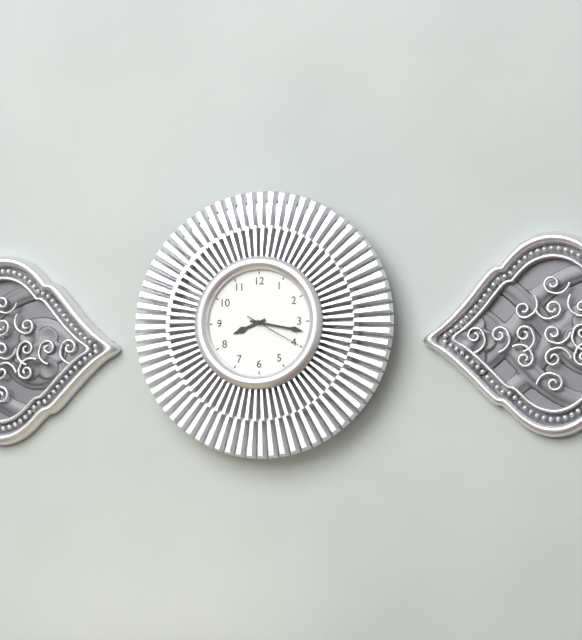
8:17:20
